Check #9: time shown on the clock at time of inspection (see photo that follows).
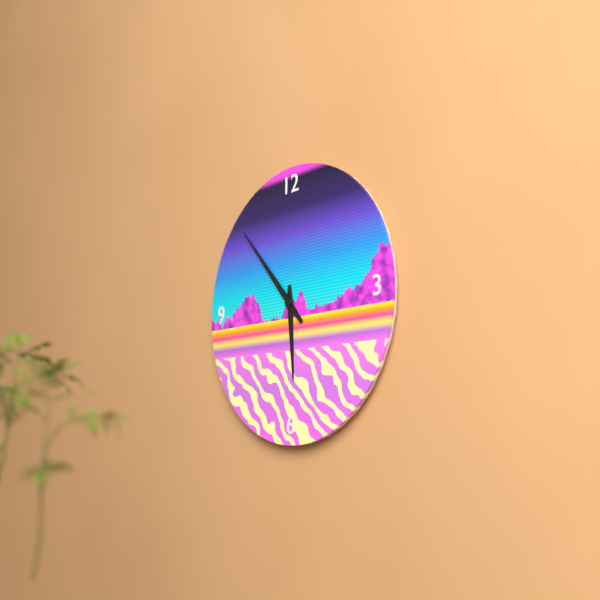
5:53
